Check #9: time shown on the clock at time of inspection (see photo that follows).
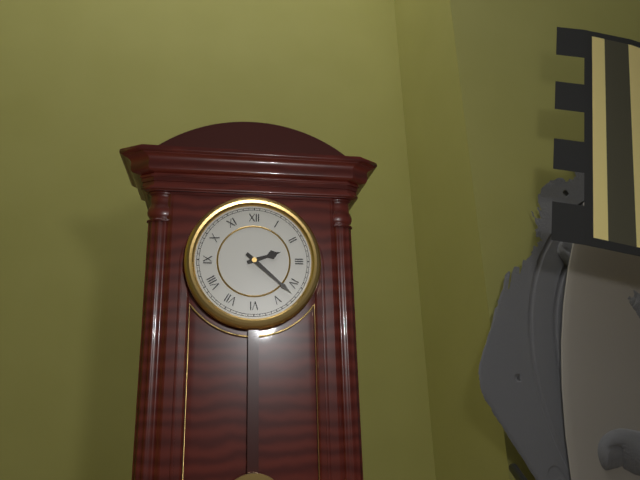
2:22
